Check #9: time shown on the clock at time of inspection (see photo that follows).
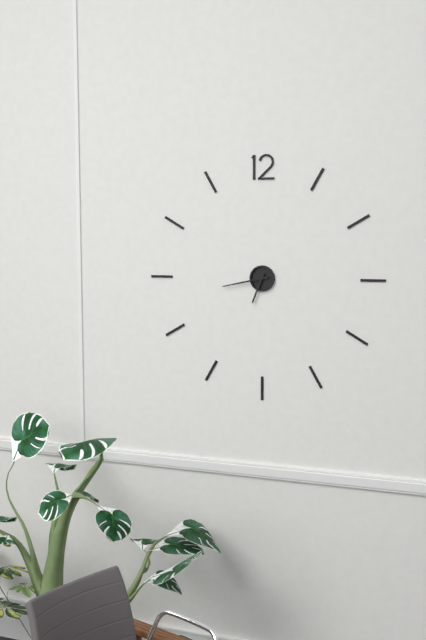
6:43
